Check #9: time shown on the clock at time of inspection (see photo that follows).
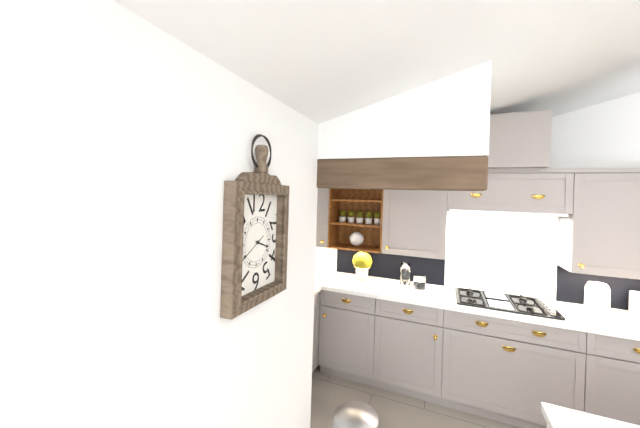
3:40
